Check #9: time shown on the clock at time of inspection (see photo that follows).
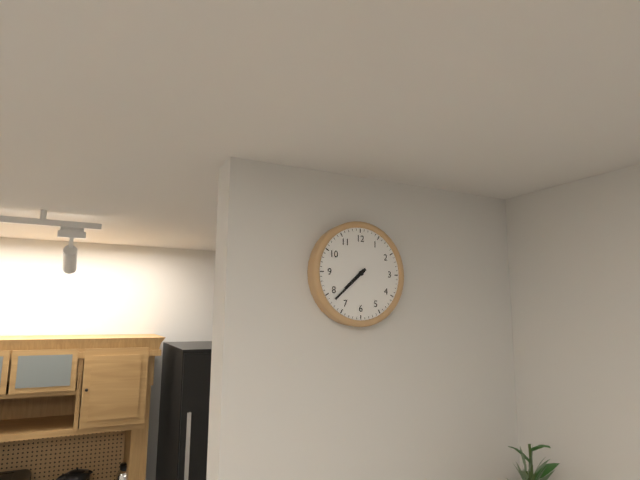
7:38
